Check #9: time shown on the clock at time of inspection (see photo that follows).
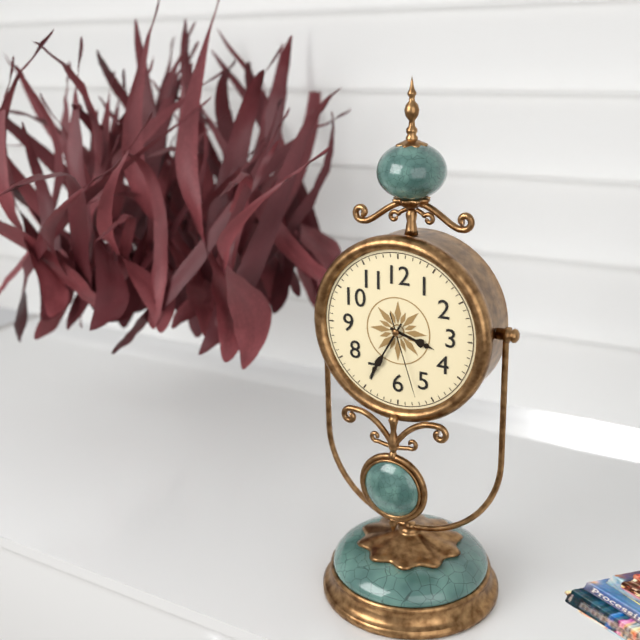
3:35:27
